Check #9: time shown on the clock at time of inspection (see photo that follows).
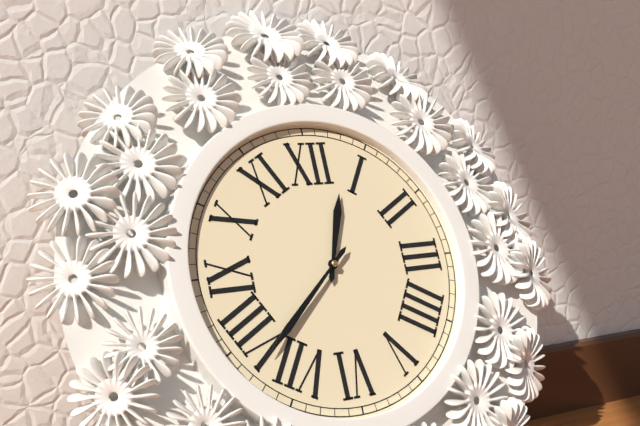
12:38
